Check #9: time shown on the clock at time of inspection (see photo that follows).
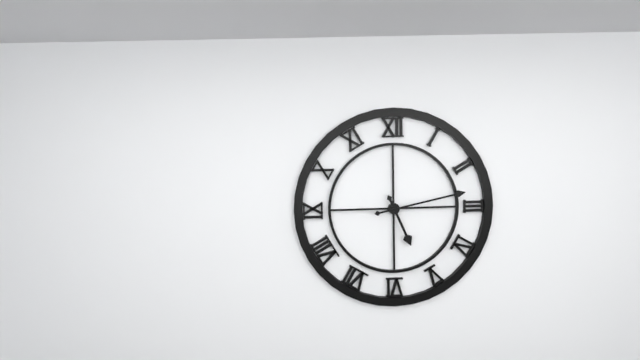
5:13
